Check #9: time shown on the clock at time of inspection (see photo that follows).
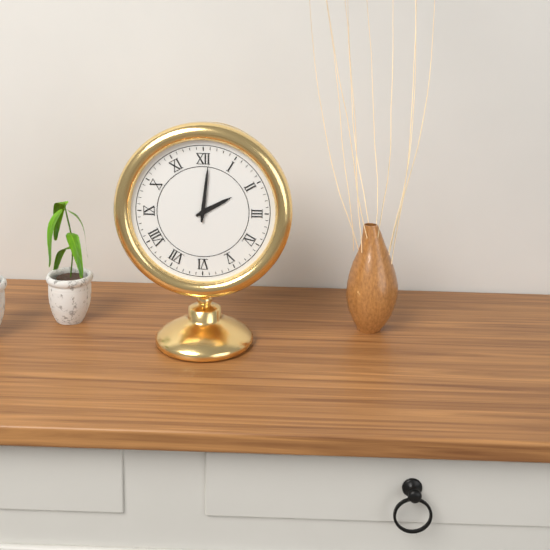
2:01
